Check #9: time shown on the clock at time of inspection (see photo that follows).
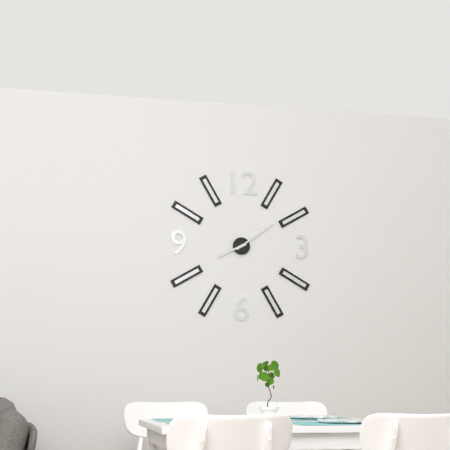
8:09
